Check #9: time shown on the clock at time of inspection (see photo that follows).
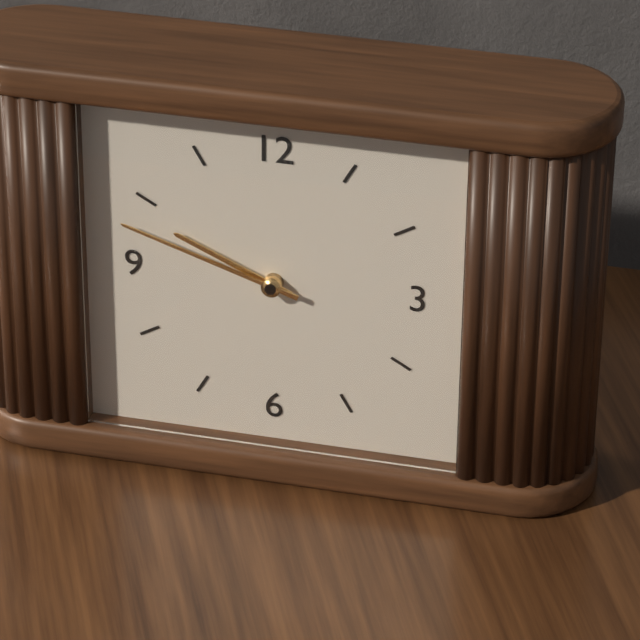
9:48
